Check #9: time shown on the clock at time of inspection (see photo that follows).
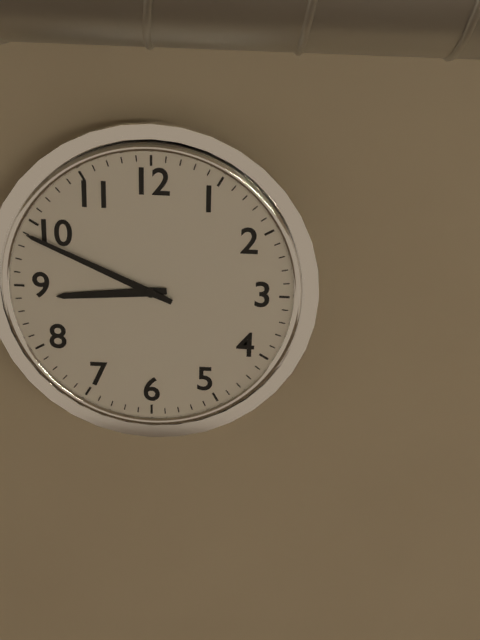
8:49
